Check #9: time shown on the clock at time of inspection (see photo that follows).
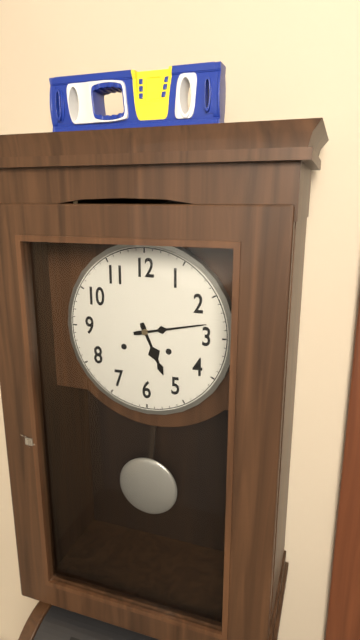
5:13
